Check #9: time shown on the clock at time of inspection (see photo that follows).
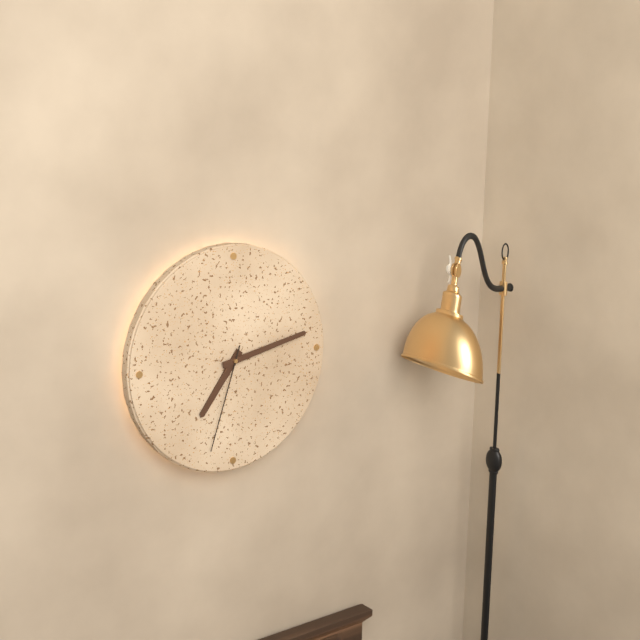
7:13:33
